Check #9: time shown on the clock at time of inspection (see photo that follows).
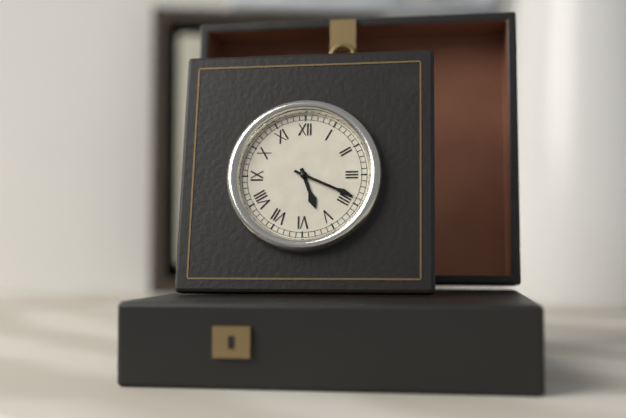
5:19
